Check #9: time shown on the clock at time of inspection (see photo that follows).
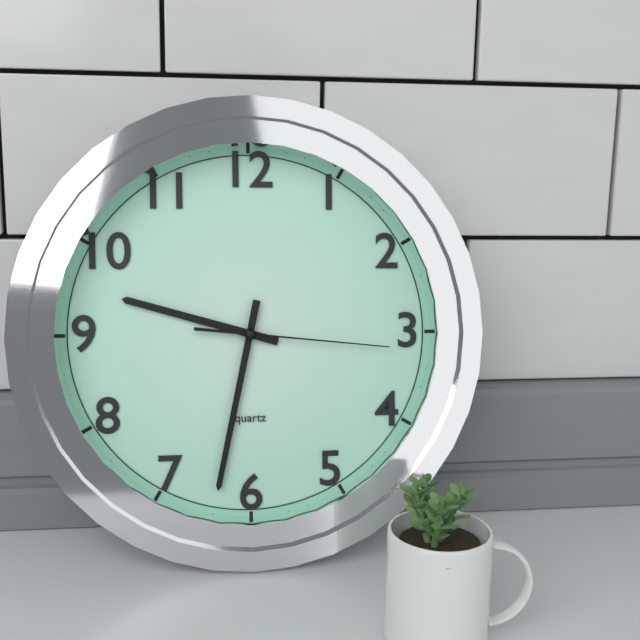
9:32:16
